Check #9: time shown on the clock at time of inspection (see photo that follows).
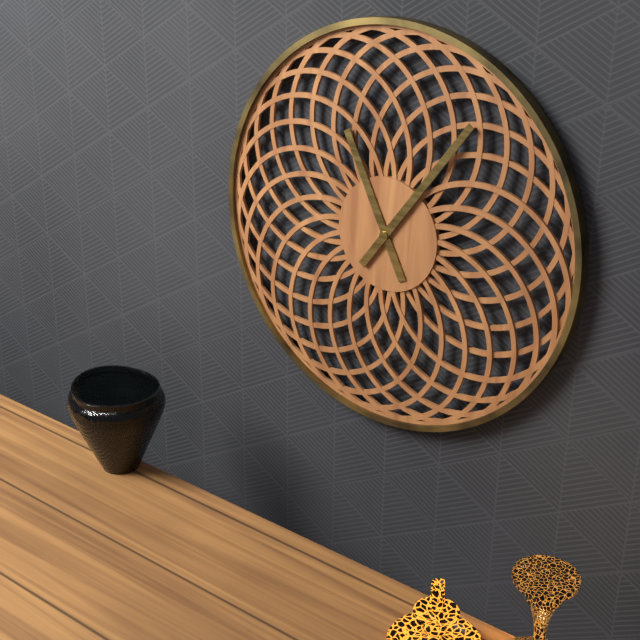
11:06
